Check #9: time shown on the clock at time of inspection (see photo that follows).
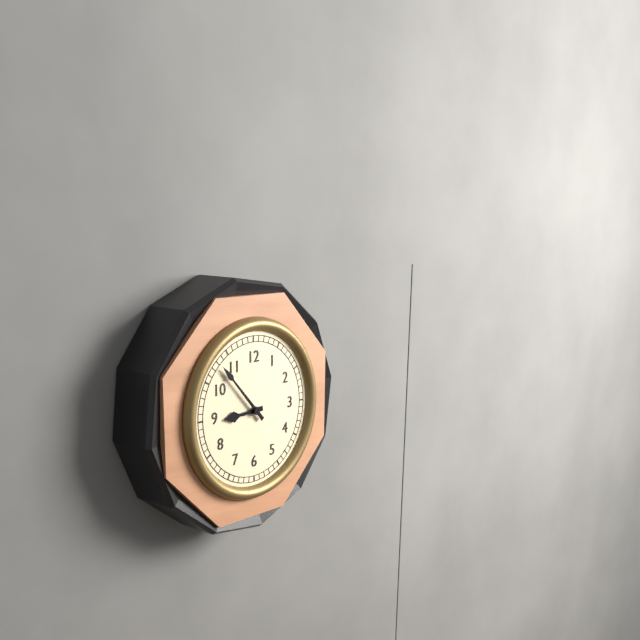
8:53
